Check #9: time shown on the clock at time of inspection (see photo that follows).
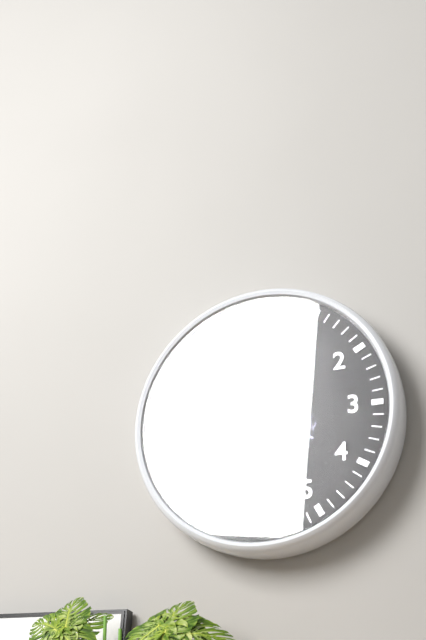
10:37:53
